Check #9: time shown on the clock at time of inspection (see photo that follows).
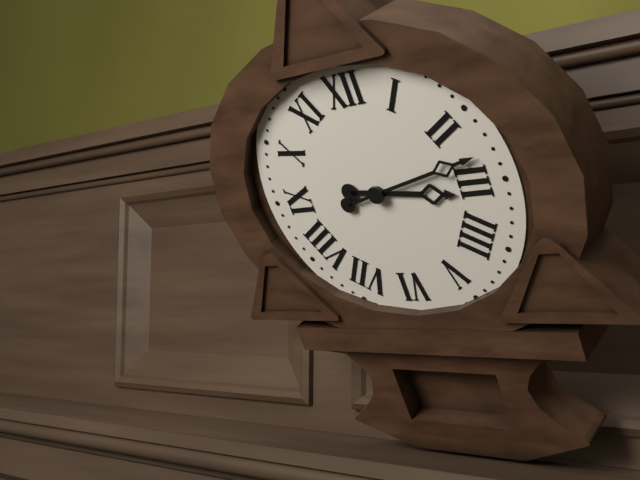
3:13
